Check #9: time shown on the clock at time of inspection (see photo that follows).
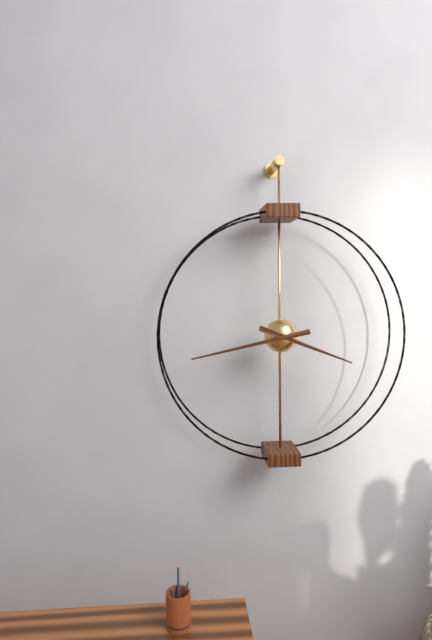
3:43
